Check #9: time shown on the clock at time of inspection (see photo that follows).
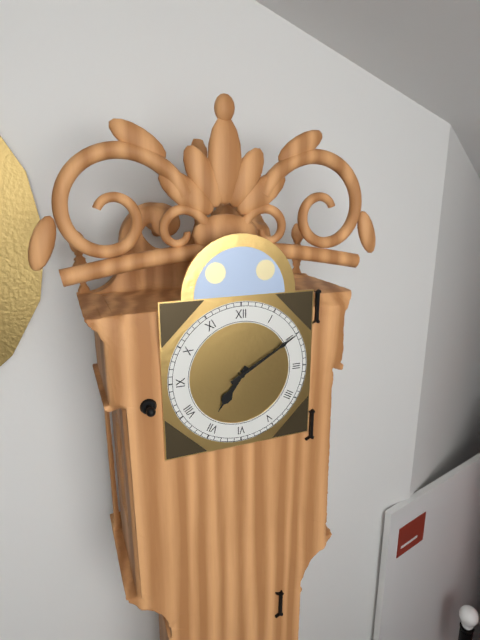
7:10
